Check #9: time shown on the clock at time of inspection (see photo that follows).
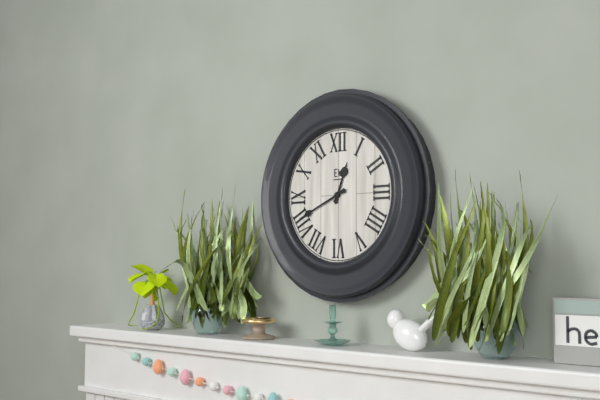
12:41
